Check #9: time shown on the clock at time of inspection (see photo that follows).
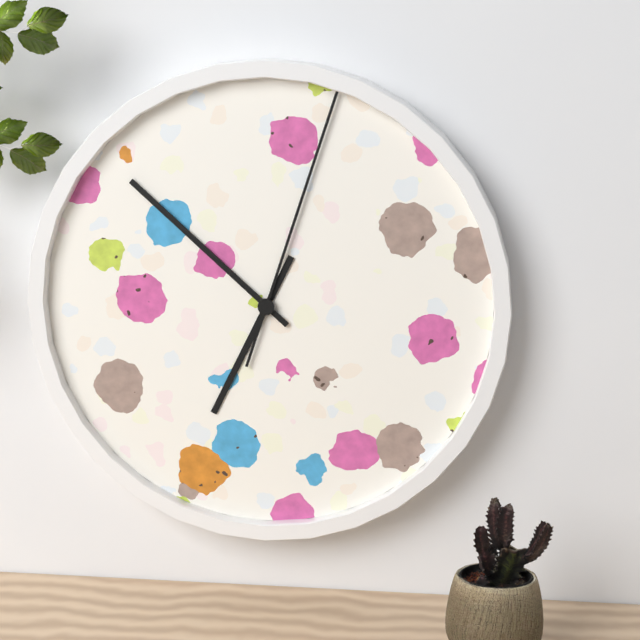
6:52:03
